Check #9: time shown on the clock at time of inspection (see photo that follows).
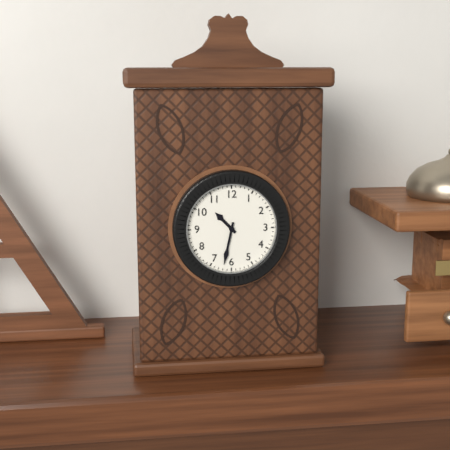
10:32
